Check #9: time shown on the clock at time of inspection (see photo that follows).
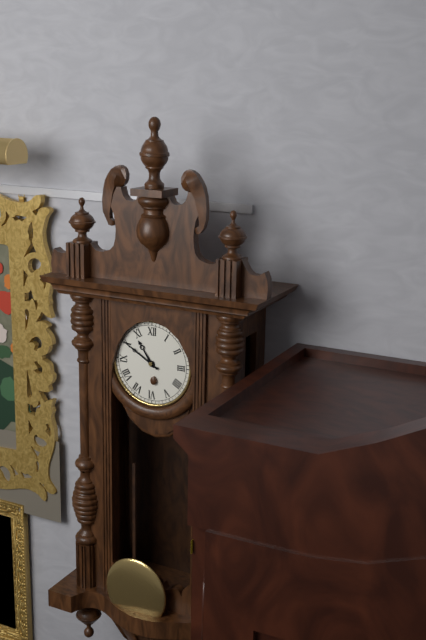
10:50
